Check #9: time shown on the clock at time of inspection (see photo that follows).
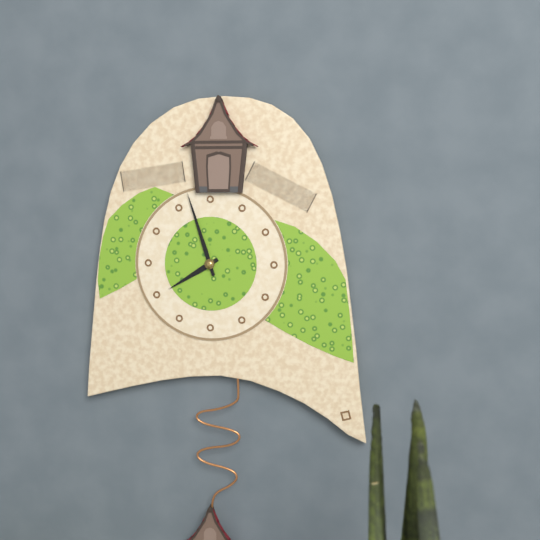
7:57
